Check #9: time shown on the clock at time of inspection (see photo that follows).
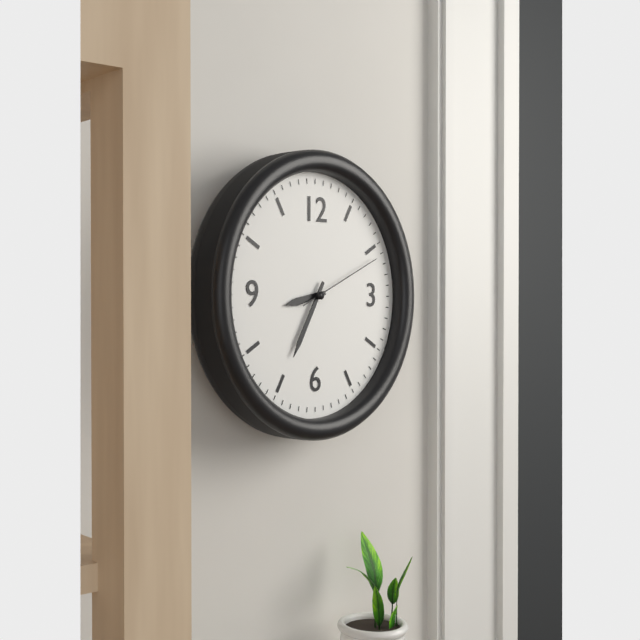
8:35:11
